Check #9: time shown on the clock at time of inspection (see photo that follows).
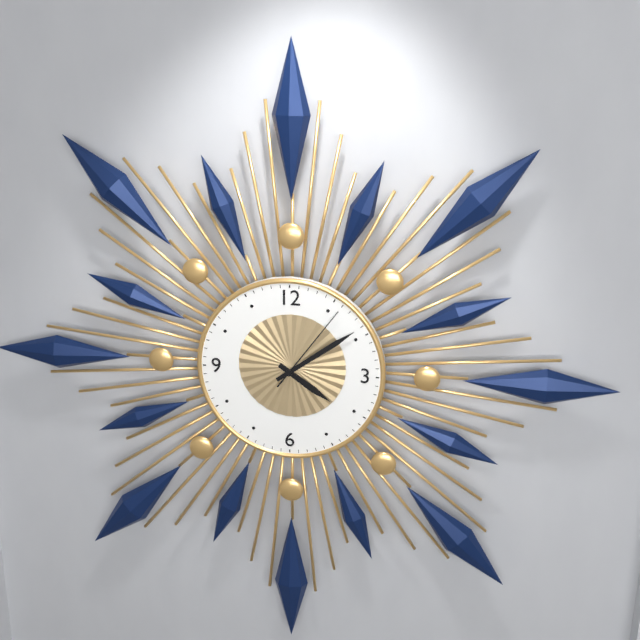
4:09:06
